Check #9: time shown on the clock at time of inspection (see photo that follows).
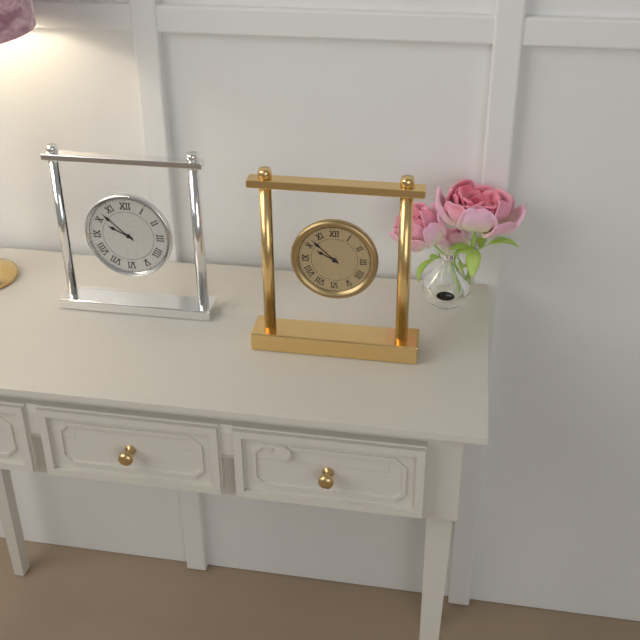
9:52
